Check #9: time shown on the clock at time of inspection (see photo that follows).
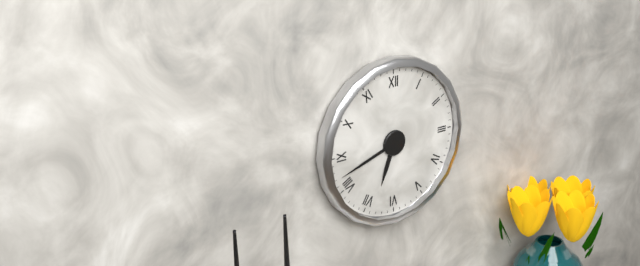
6:42
